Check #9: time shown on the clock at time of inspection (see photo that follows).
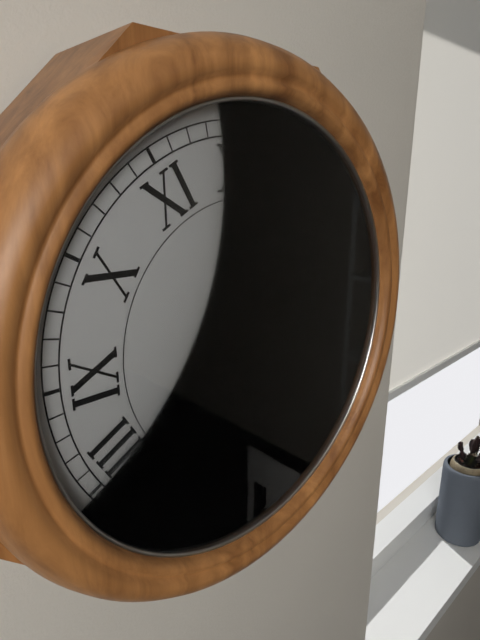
4:17
